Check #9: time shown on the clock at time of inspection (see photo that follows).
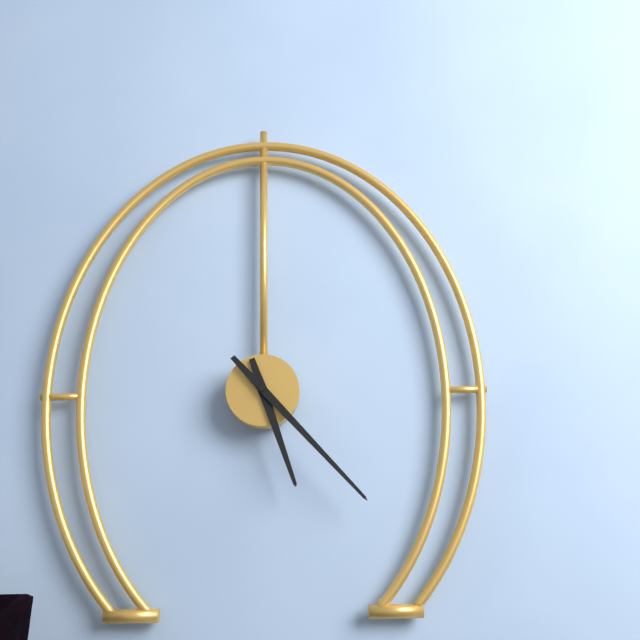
5:23
